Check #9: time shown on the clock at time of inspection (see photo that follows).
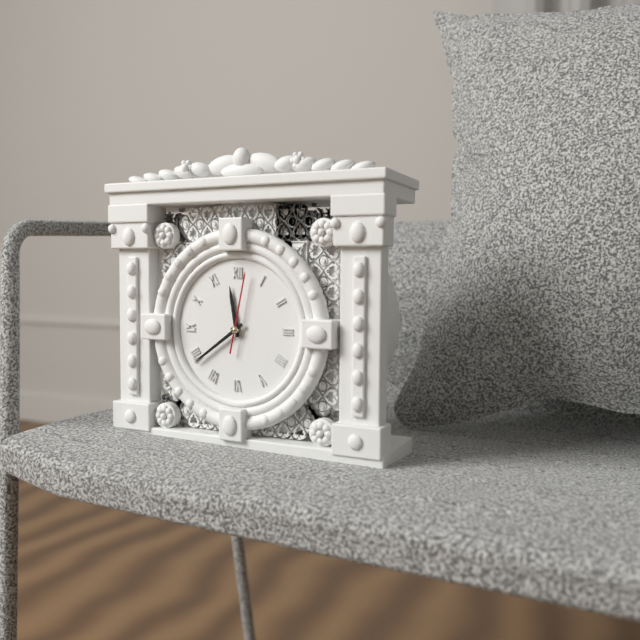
11:39:02
